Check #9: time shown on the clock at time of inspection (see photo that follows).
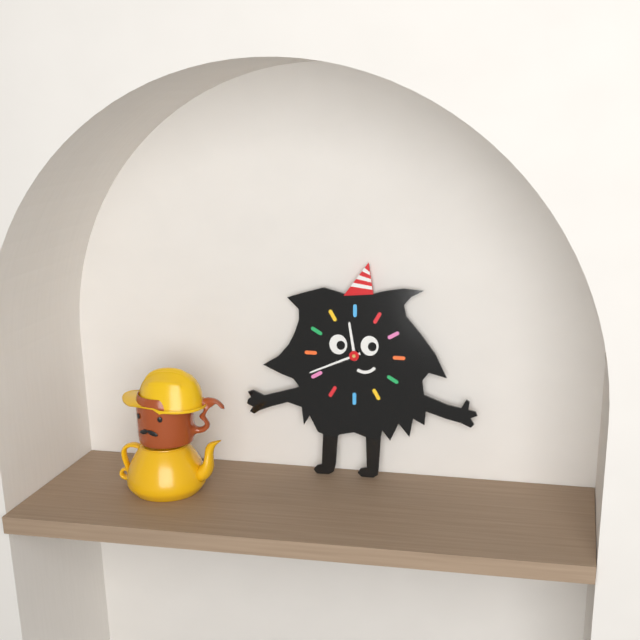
11:41
